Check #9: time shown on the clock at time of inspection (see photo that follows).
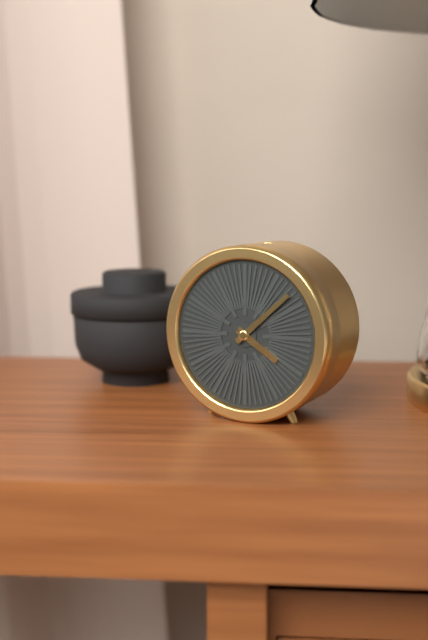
4:08
